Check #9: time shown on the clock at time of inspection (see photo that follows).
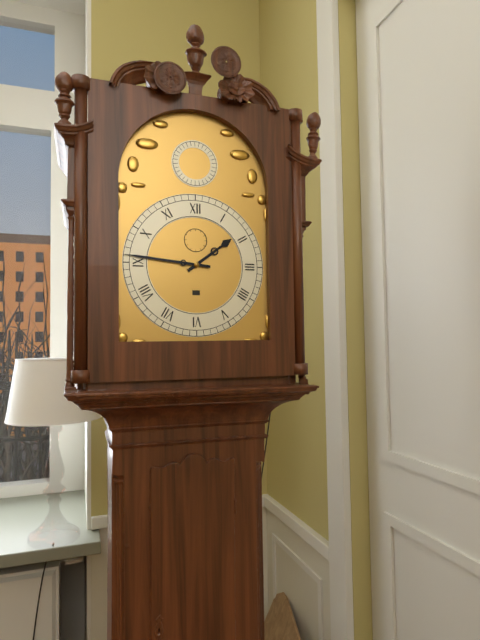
1:46
